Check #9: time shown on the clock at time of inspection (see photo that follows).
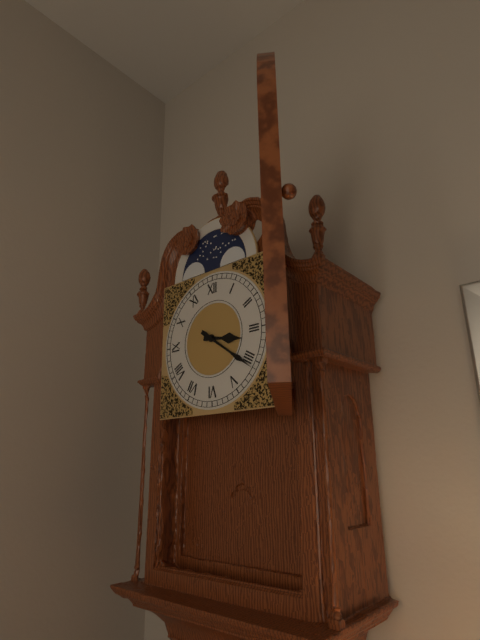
3:21
